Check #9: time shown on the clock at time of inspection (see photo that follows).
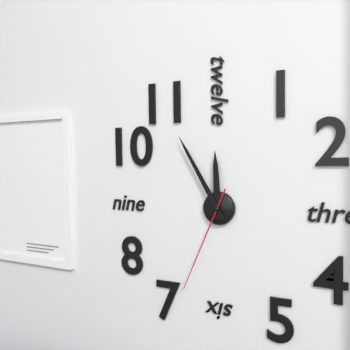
11:55:34
